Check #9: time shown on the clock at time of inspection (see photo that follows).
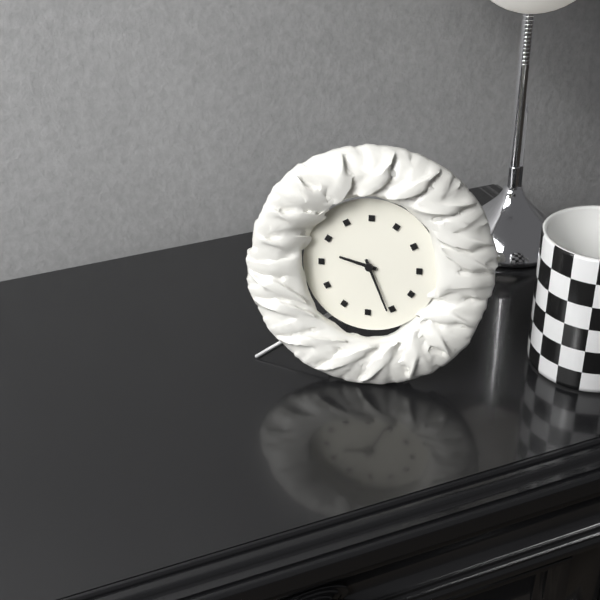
9:26
